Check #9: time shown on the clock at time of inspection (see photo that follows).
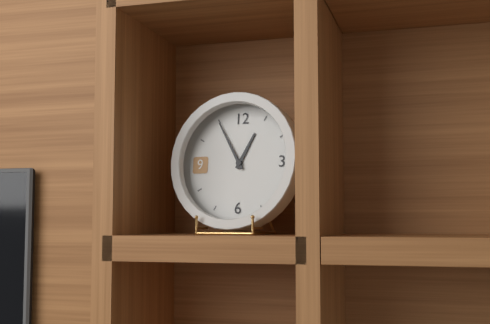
12:55
